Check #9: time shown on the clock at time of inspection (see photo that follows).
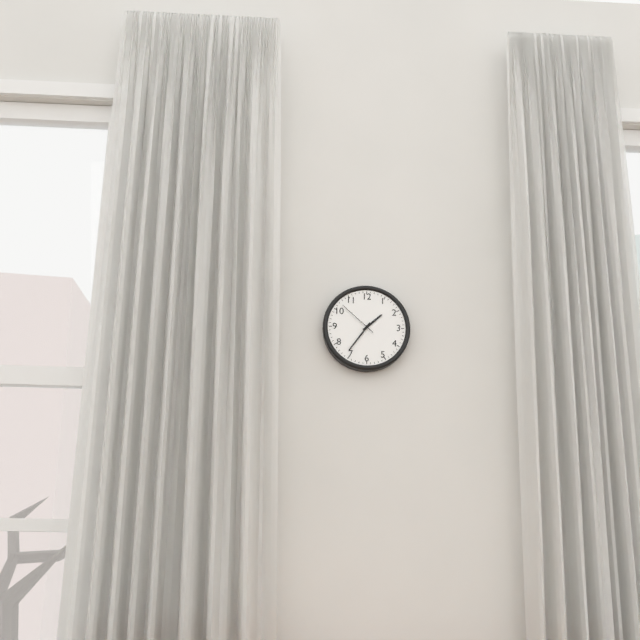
1:36
